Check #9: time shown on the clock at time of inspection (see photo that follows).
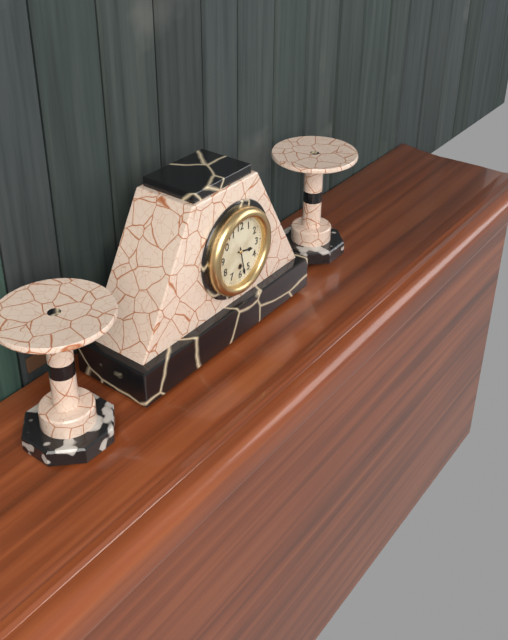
3:28
